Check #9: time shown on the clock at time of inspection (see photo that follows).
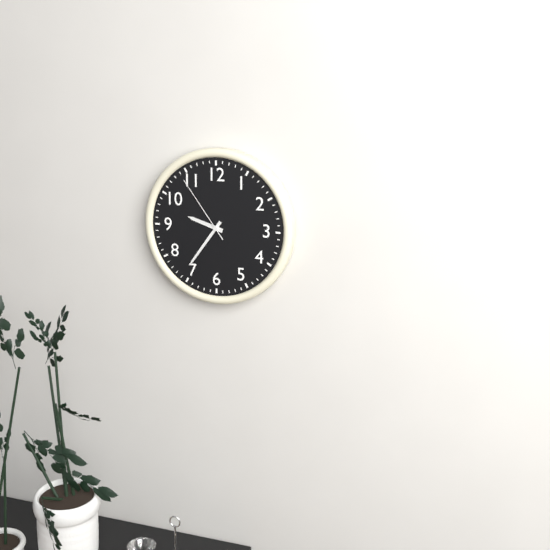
9:36:54
